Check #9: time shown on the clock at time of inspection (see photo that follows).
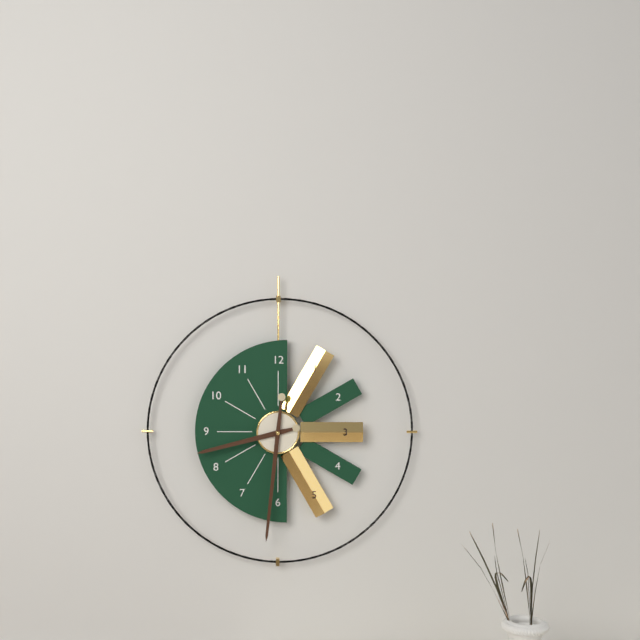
8:31
